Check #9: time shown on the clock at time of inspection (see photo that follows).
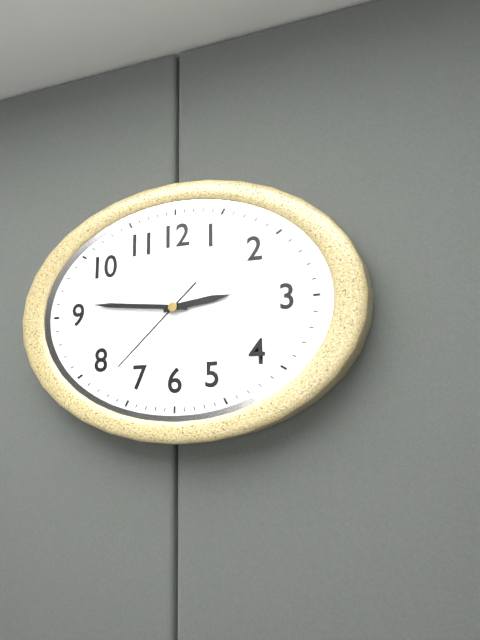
2:46:38
